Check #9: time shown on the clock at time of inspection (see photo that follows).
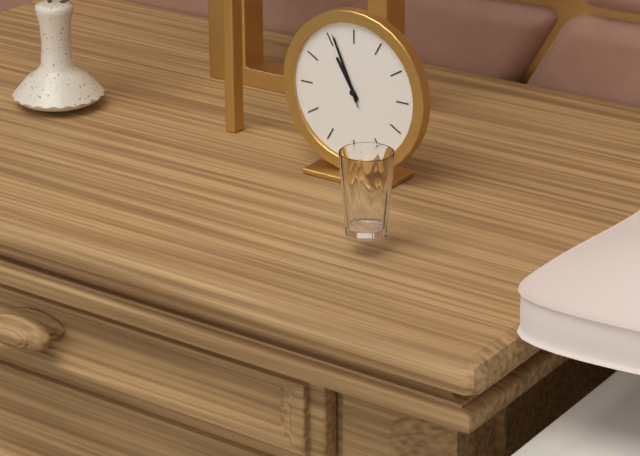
10:56:56
